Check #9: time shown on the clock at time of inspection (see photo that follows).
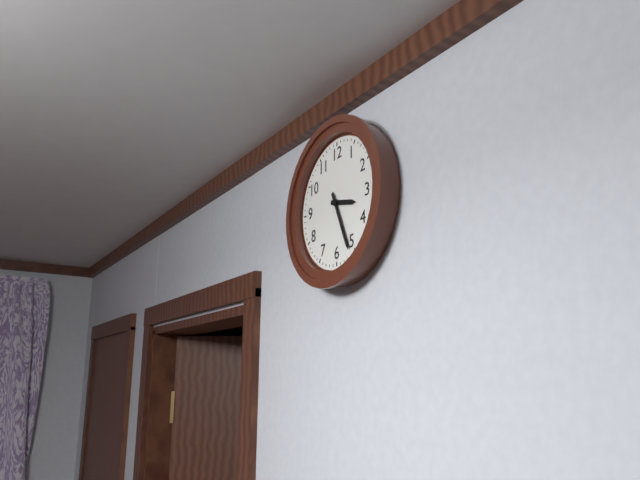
3:26
